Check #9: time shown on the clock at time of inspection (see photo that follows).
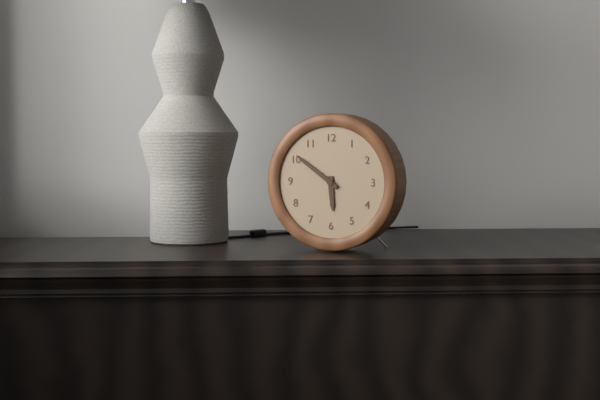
5:51
